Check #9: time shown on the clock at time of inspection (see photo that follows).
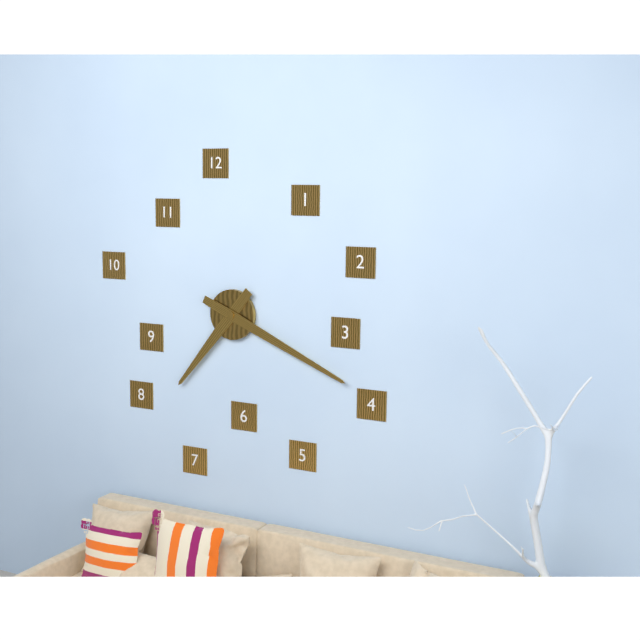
7:19
